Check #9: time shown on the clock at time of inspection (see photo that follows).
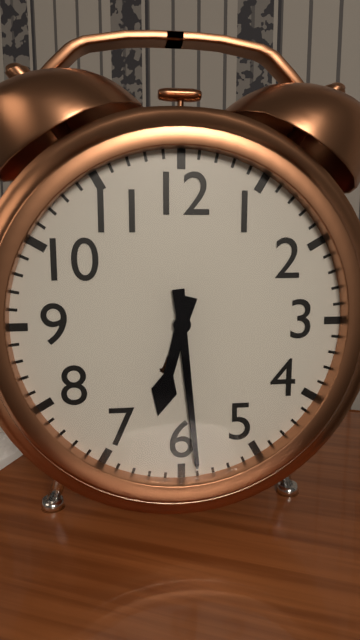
6:29
